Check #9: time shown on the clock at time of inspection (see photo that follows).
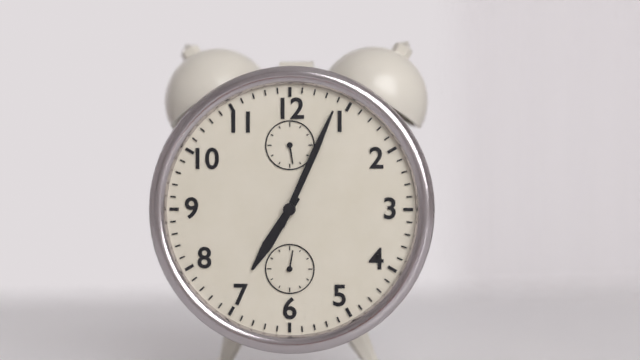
7:04
